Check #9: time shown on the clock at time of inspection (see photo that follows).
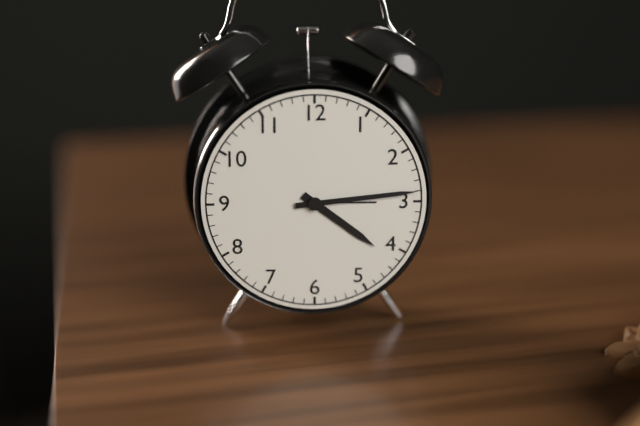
4:14
